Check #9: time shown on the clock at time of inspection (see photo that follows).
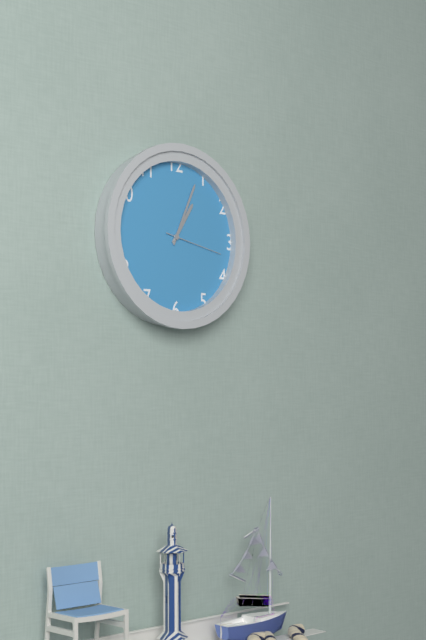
1:04:17
